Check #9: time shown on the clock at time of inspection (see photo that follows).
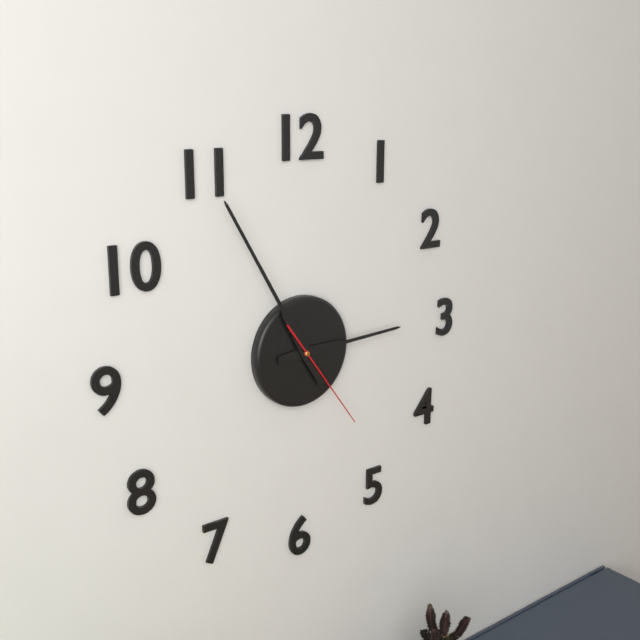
2:55:24
